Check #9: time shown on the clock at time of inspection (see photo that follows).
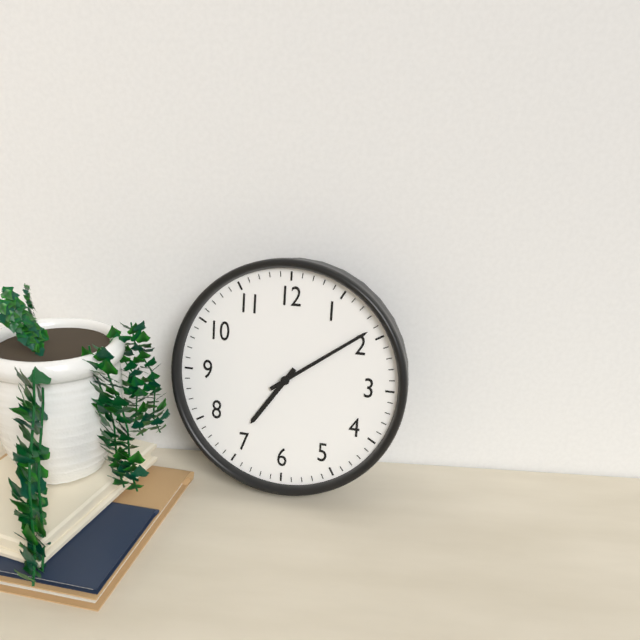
7:09
